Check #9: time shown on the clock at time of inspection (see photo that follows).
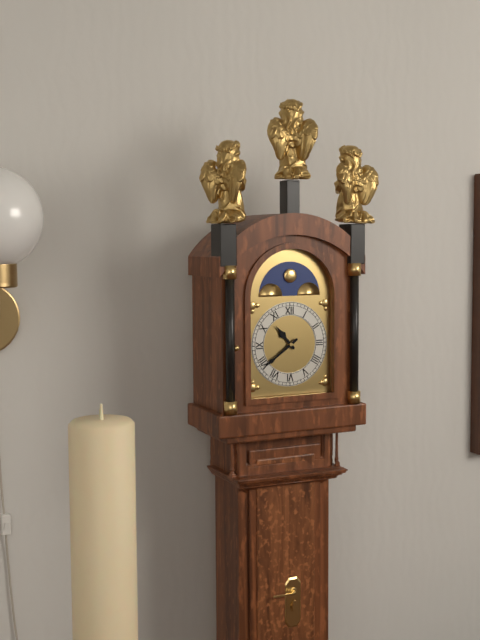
10:39
